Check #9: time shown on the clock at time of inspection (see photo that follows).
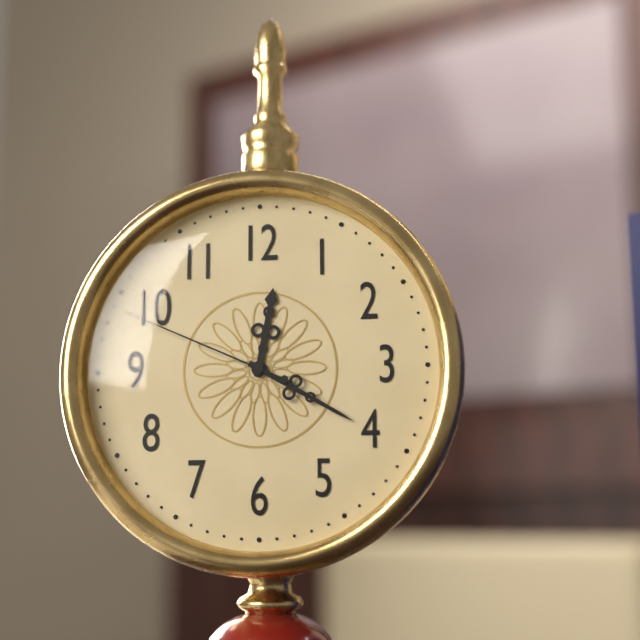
12:20:49
